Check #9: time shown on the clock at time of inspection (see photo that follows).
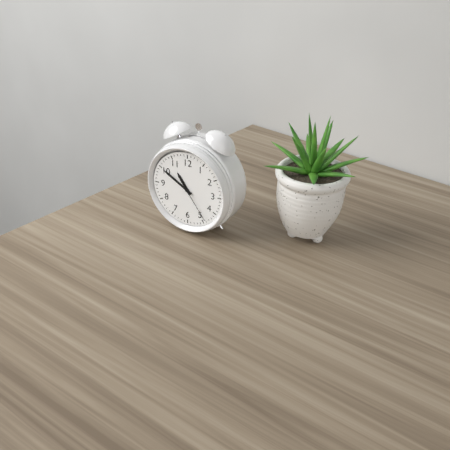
10:50
